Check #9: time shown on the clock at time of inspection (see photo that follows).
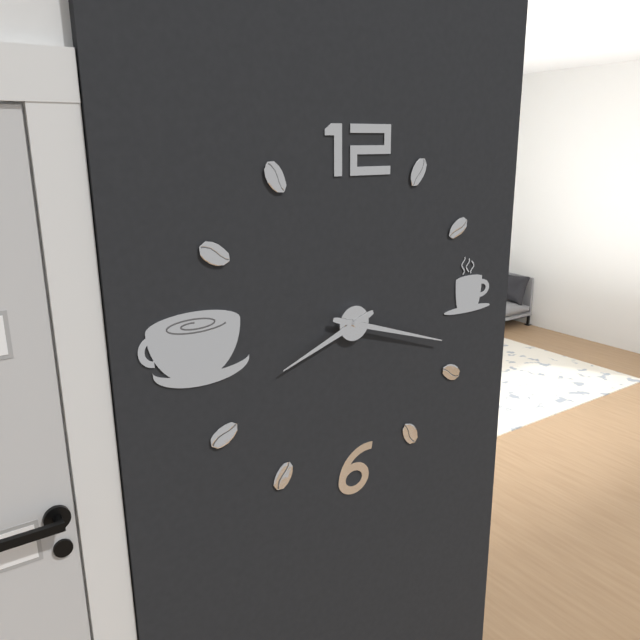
8:18
